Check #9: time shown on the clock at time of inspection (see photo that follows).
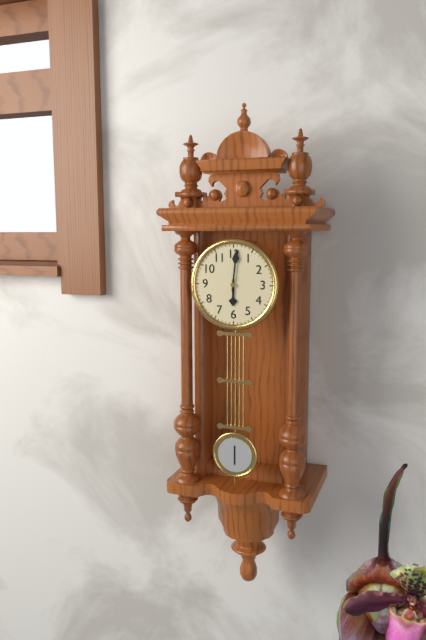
6:01
